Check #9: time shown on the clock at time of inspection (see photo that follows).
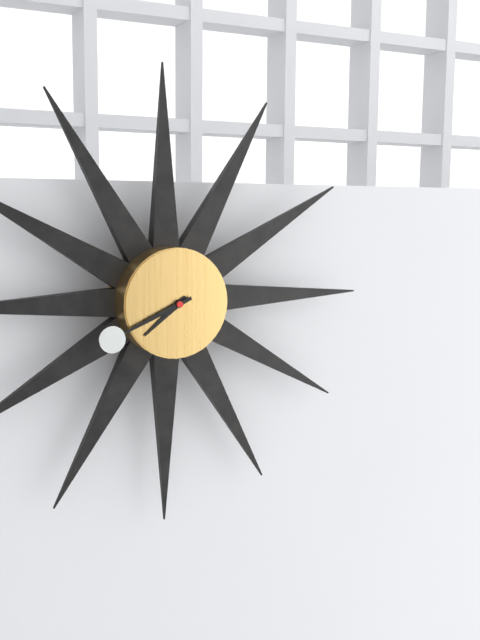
7:41
